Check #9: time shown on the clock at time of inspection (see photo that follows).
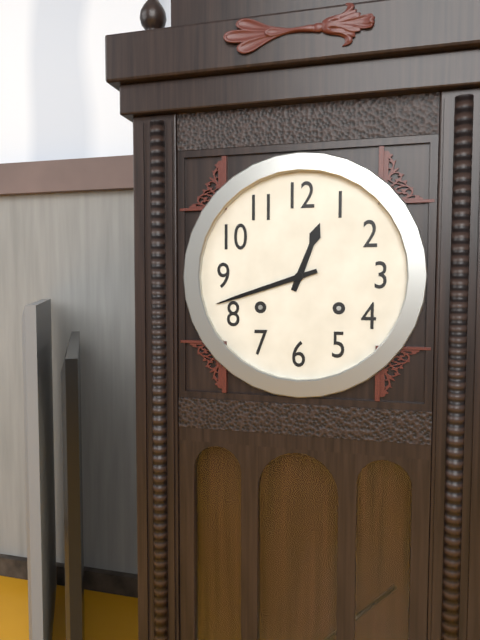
12:42
